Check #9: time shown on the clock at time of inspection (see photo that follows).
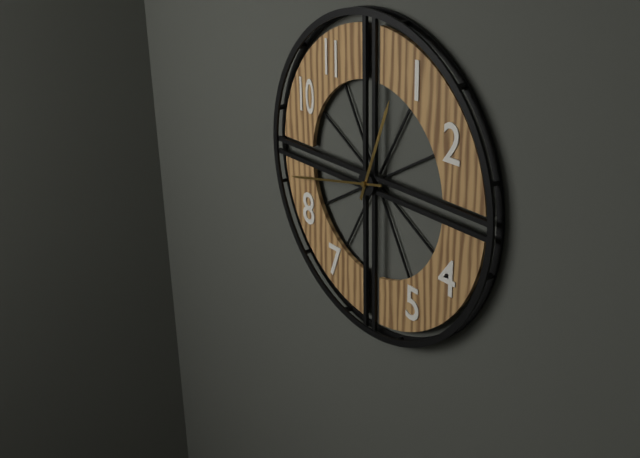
12:43
